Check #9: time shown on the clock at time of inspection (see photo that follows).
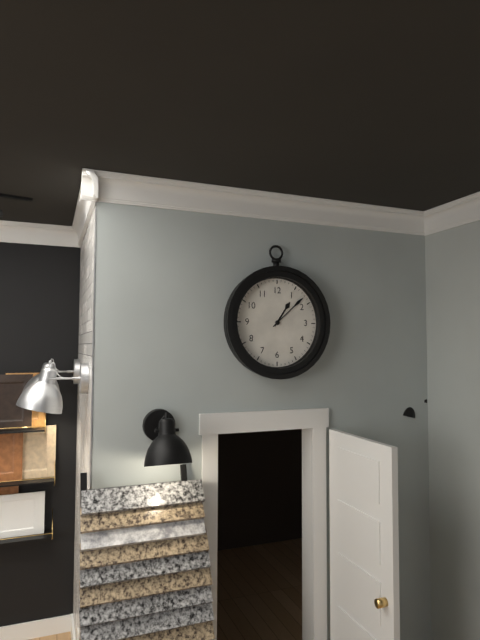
1:08
